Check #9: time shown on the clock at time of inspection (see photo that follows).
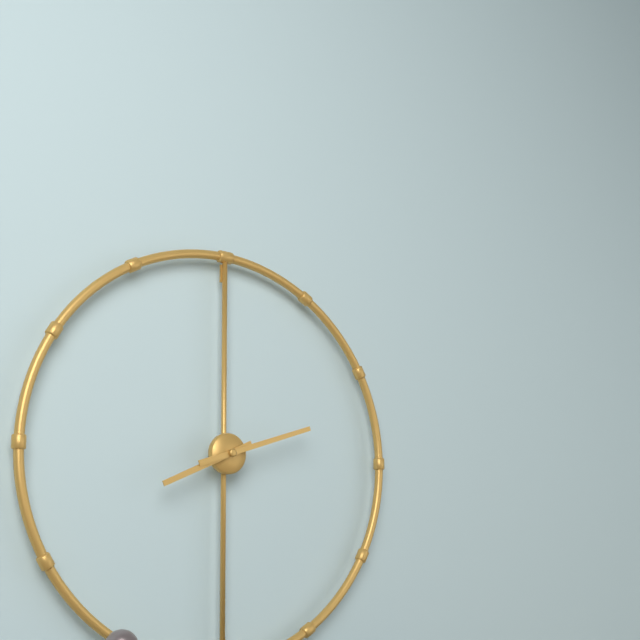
8:12
